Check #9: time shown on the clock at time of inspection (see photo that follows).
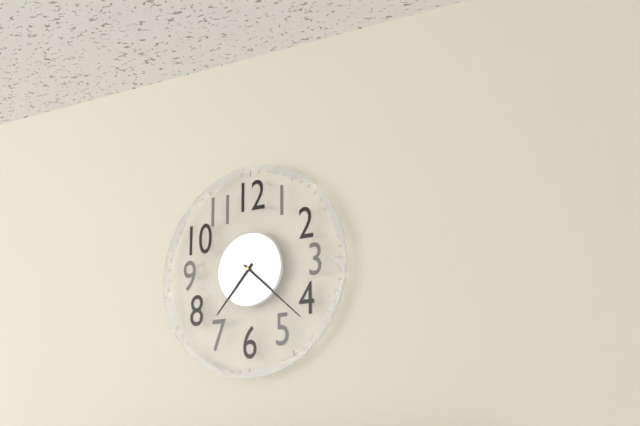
7:22
